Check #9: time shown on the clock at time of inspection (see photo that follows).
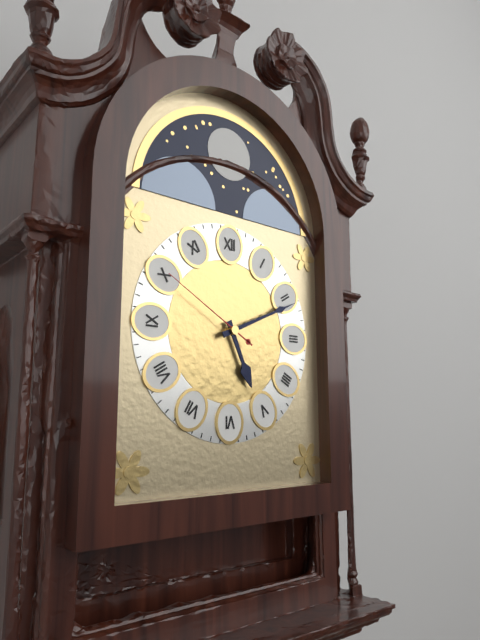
5:11:50
